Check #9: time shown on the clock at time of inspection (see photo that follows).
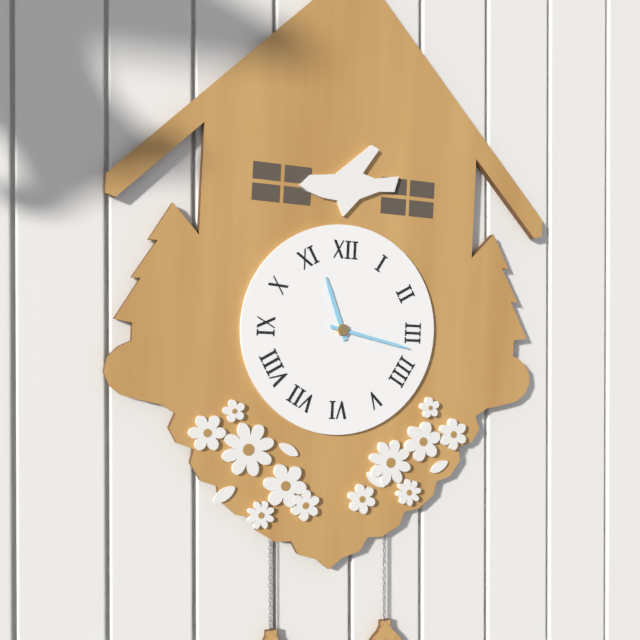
11:17
